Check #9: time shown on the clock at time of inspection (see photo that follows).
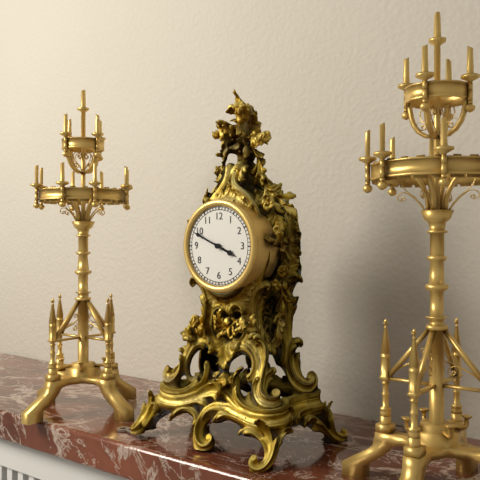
3:49
